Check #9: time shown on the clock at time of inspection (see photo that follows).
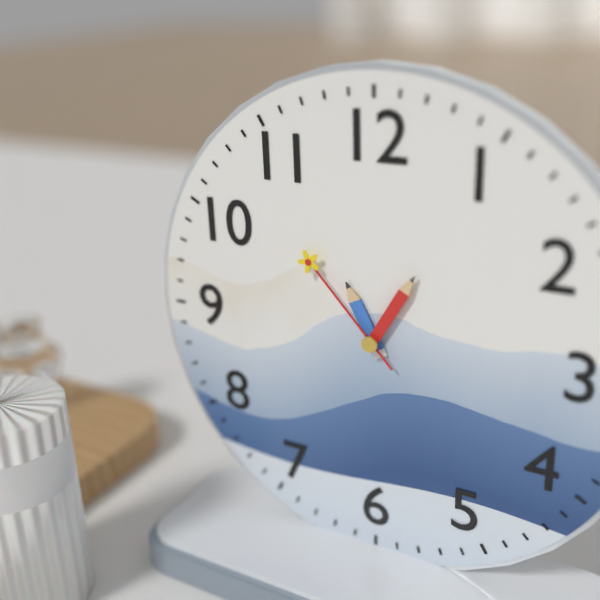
11:05:53
